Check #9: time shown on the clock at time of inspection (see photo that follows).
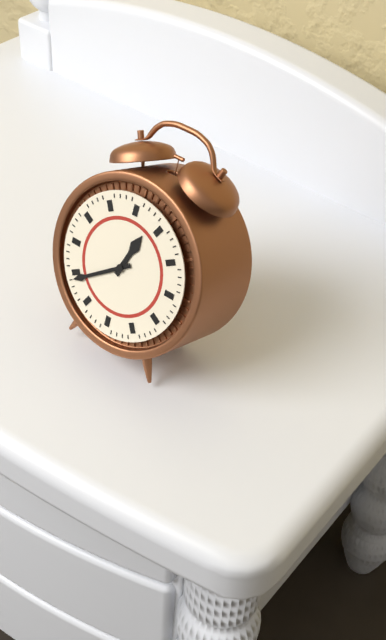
12:39
